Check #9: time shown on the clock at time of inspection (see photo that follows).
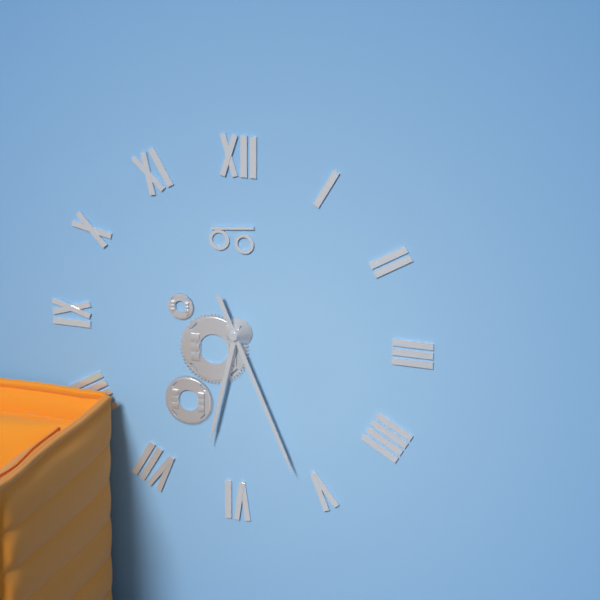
6:26
